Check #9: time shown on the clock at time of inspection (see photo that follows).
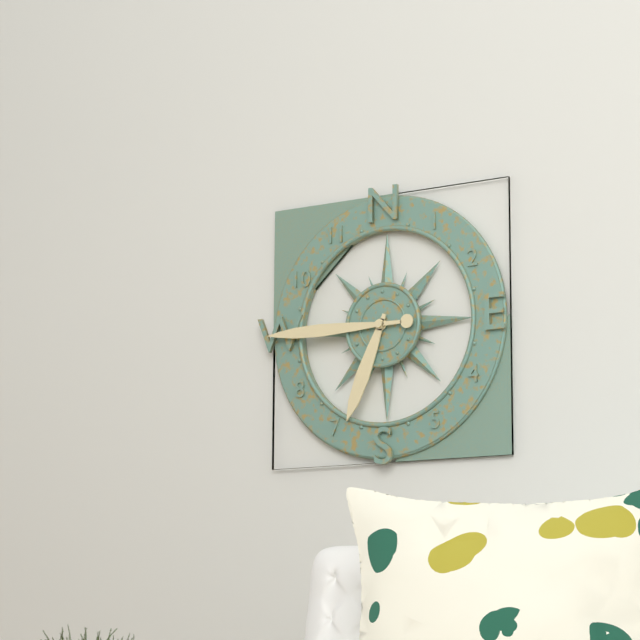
6:45
